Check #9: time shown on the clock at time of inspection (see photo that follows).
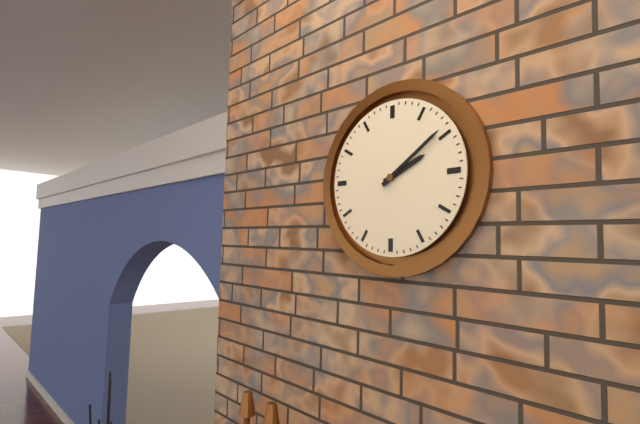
2:09
